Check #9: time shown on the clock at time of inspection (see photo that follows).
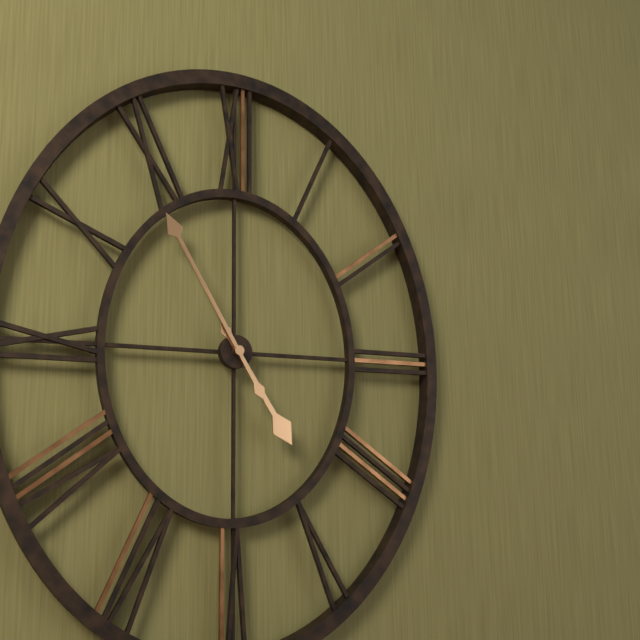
4:55
